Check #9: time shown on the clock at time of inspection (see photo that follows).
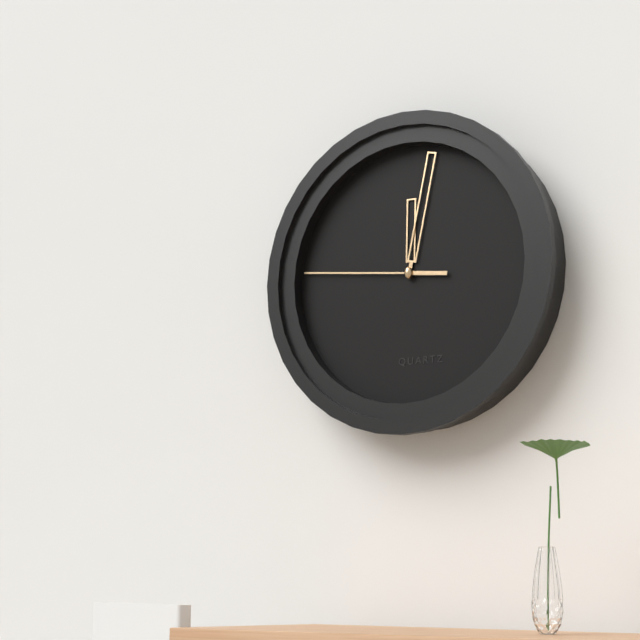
12:02:46
